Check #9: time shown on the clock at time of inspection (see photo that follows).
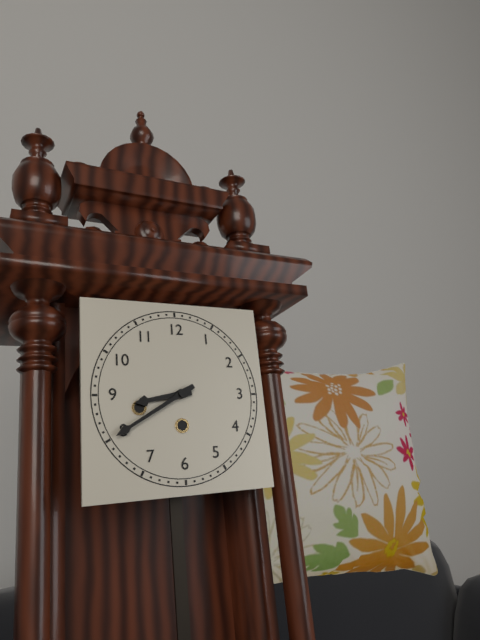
8:40
